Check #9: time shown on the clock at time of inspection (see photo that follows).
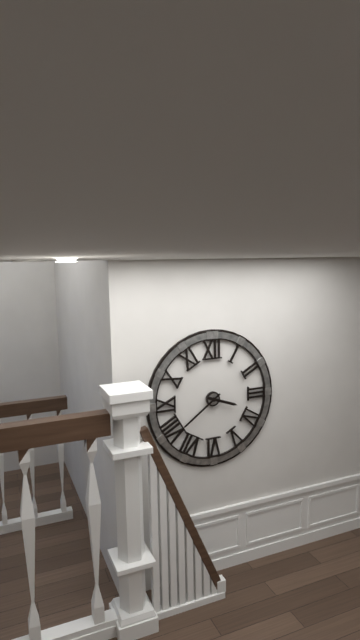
3:39
